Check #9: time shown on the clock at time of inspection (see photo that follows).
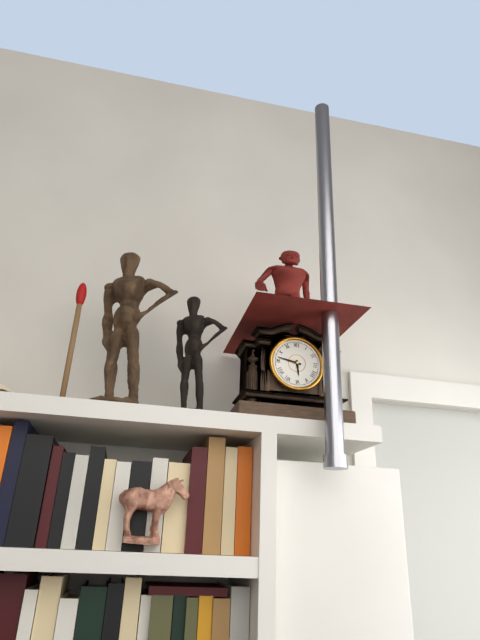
5:47
